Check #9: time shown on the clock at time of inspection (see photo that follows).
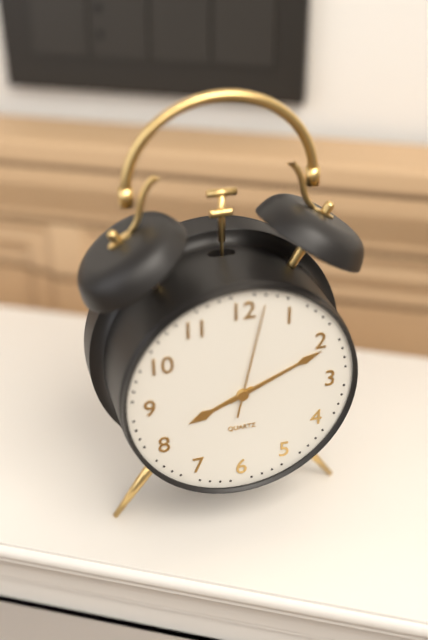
8:11:02
